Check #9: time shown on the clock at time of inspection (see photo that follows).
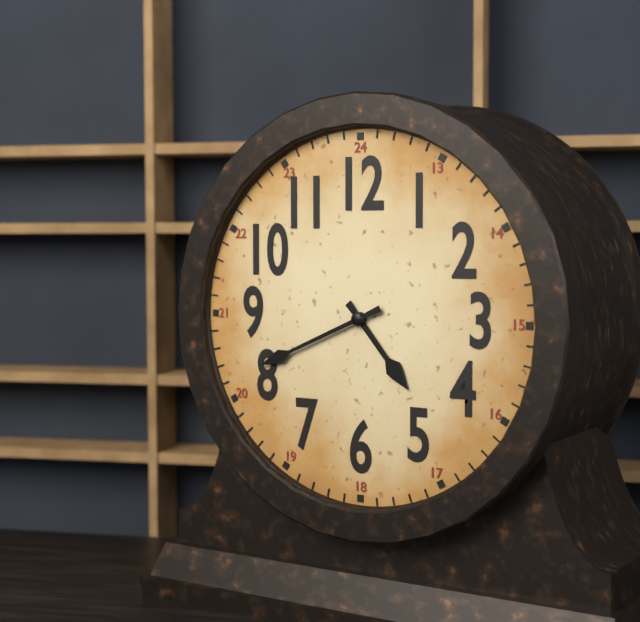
4:41
